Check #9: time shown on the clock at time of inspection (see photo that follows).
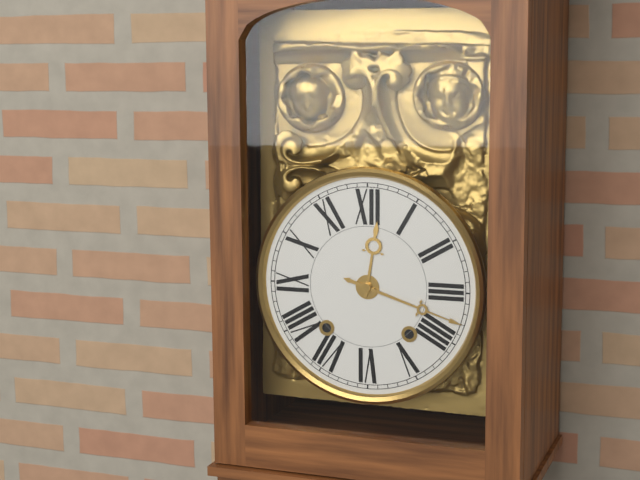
12:18
